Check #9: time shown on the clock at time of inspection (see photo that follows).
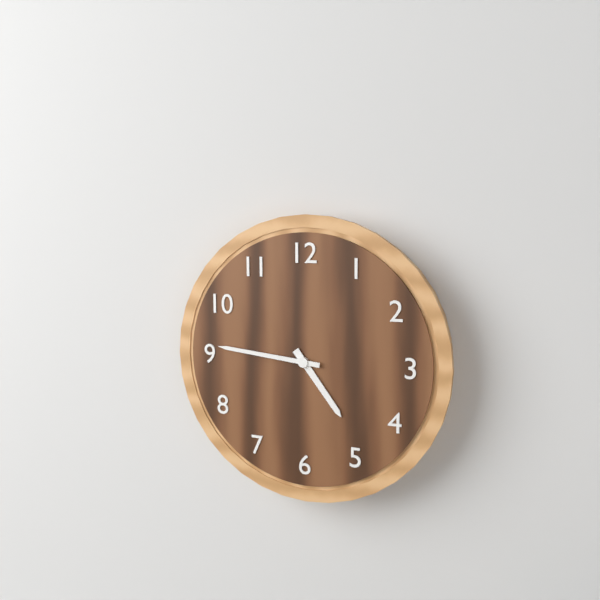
4:46
